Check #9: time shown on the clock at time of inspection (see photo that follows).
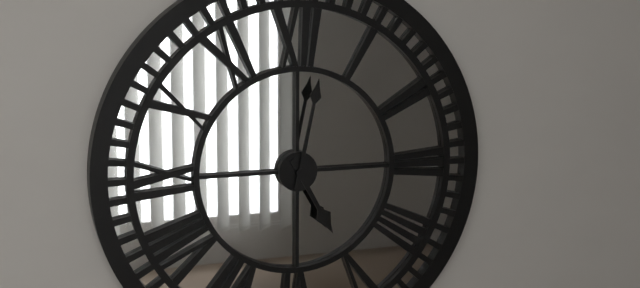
5:02
